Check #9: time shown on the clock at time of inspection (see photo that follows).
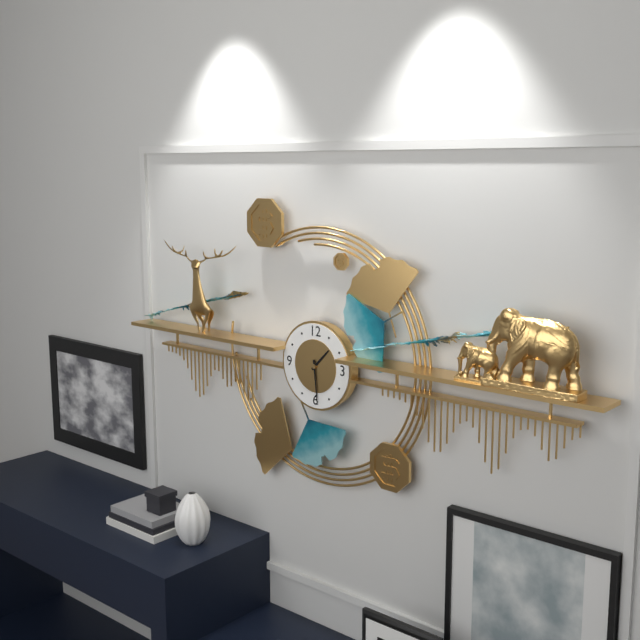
1:29
